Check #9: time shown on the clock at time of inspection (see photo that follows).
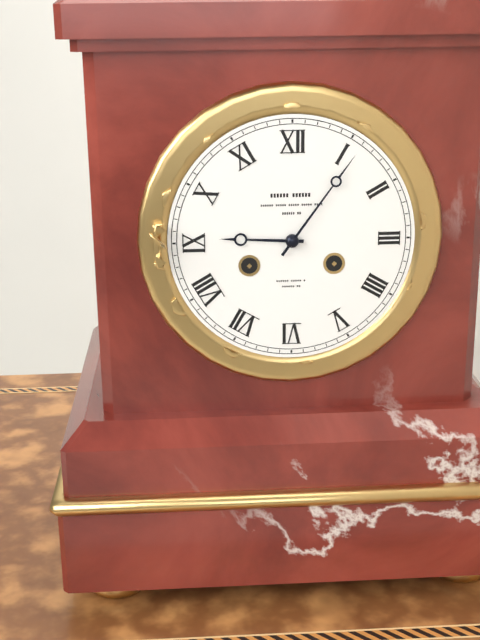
9:06
